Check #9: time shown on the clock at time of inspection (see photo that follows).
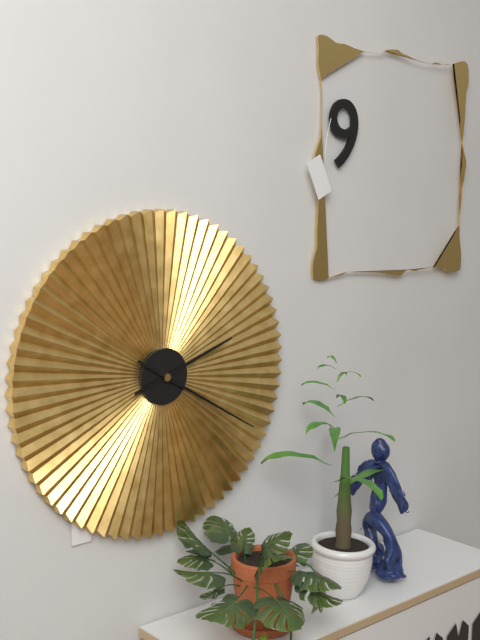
2:20
